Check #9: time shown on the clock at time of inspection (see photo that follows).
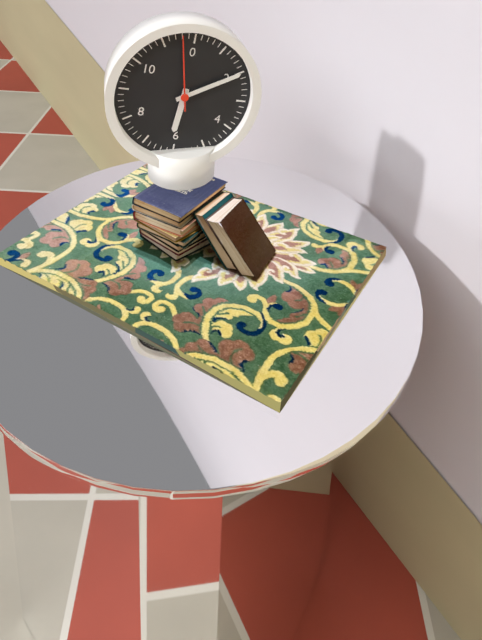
6:10:58
